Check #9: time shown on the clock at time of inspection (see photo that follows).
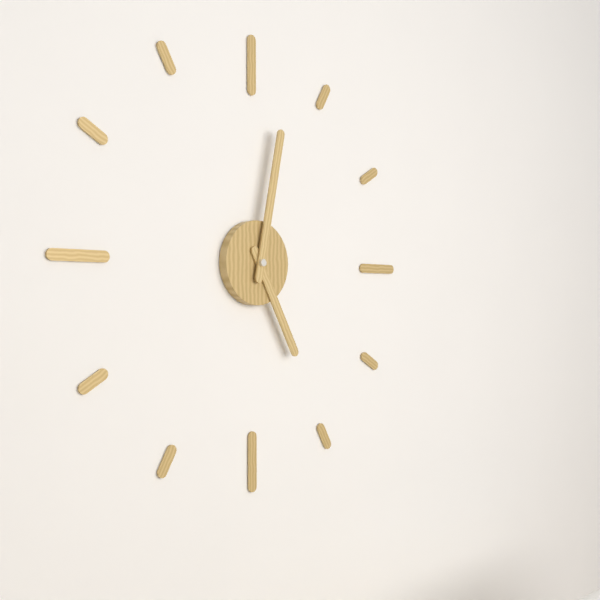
5:02
